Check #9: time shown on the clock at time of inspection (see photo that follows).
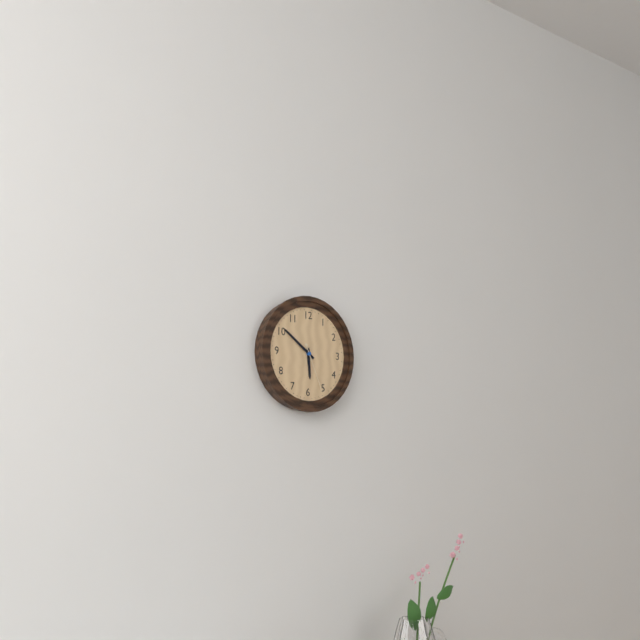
5:51
